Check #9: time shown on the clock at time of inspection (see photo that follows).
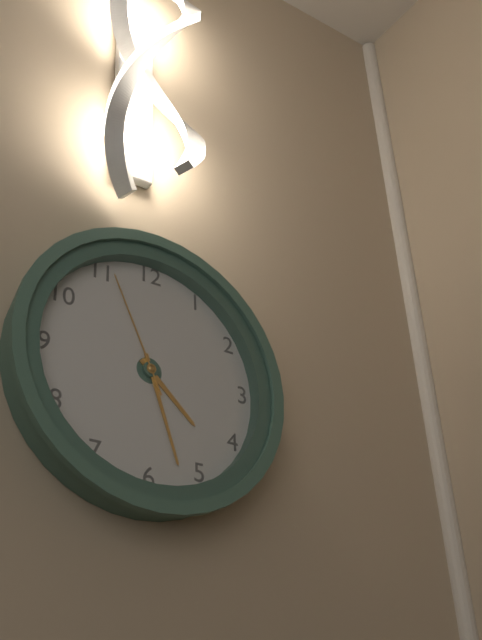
4:27:56
